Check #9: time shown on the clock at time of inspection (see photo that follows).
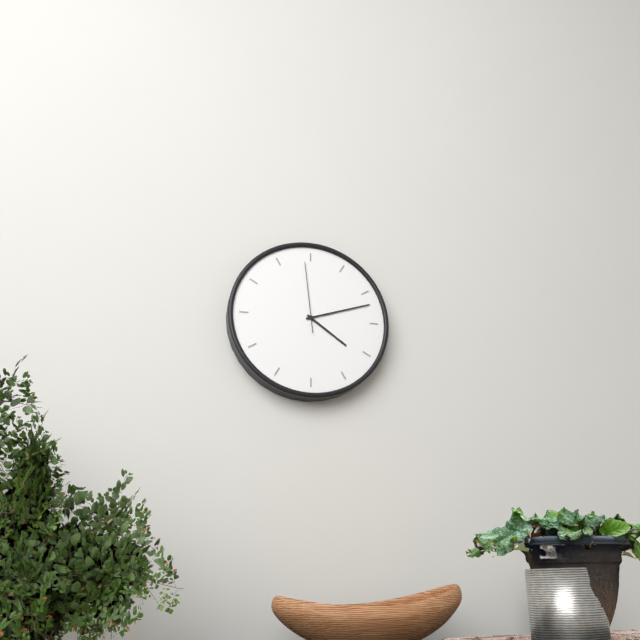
4:12:59
